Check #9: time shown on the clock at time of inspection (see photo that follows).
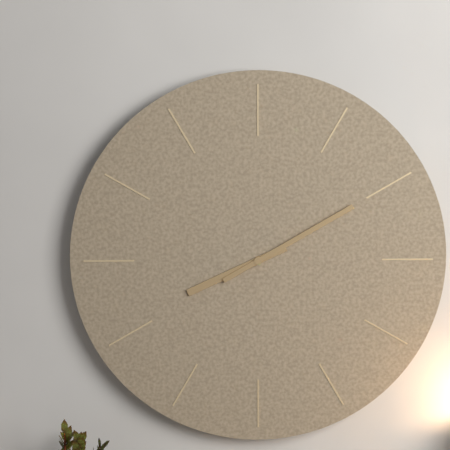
8:10
